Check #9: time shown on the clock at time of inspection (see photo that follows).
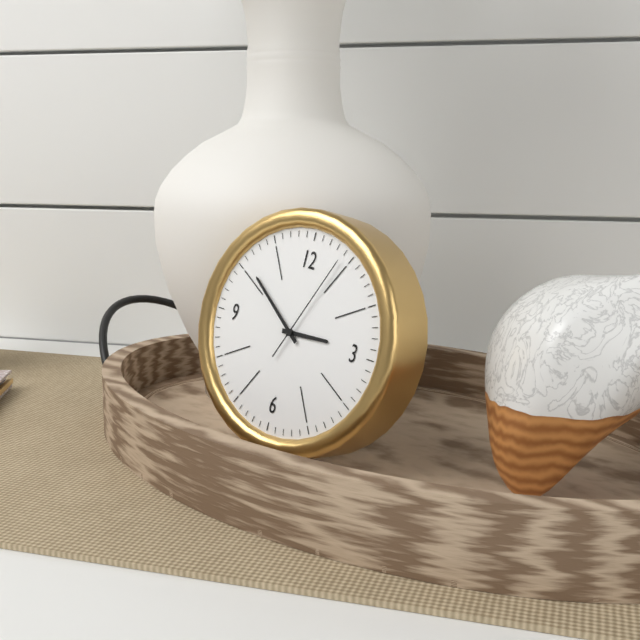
2:51:04
